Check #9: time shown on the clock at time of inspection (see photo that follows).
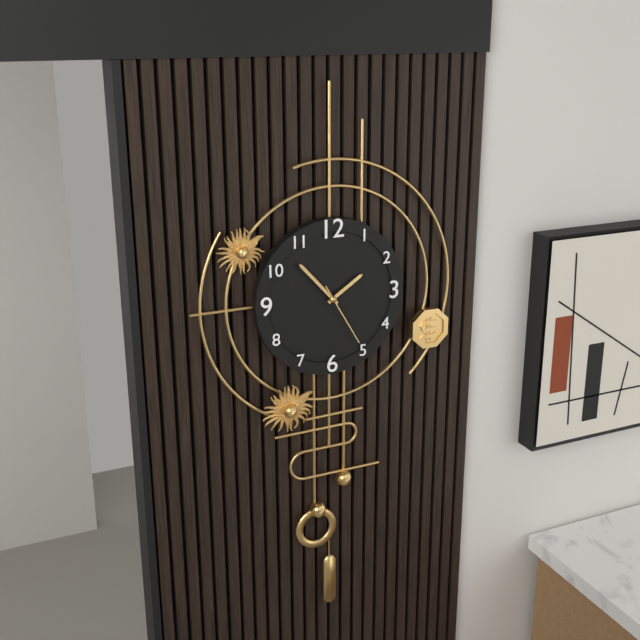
1:53:25
